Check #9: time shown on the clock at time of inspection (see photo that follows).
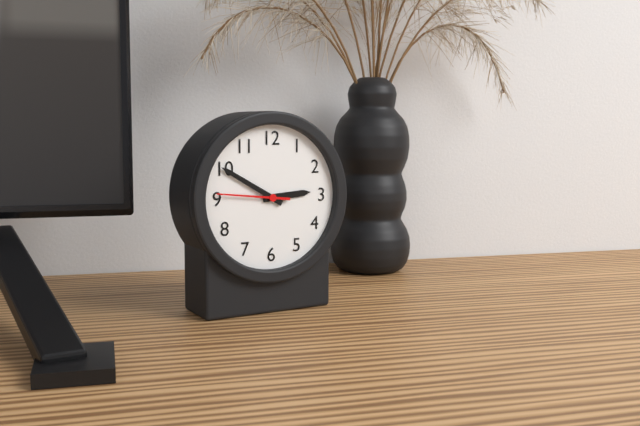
2:50:46
